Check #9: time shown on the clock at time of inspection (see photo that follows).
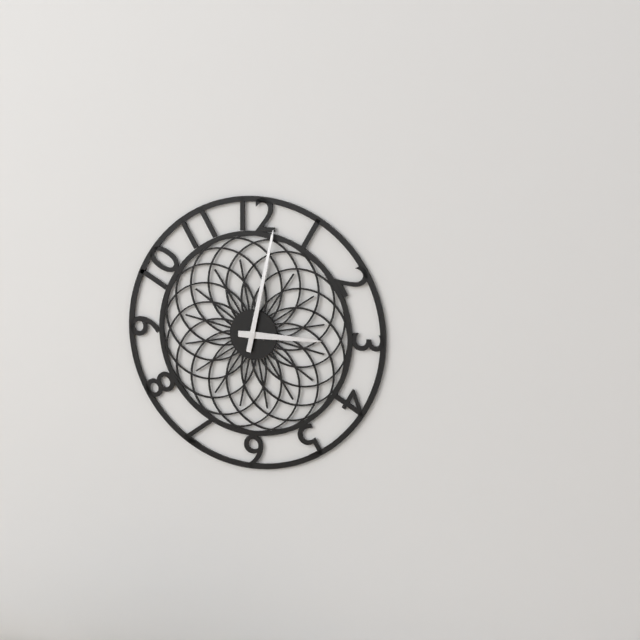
3:02
